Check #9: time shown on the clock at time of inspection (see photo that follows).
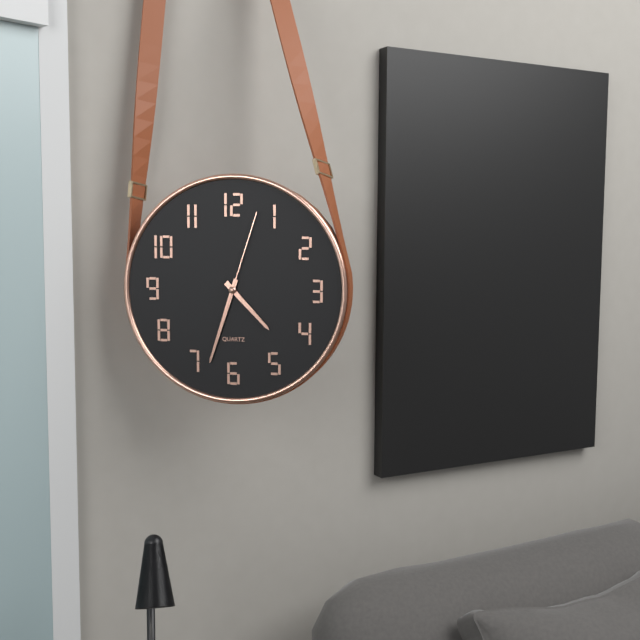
4:33:03
